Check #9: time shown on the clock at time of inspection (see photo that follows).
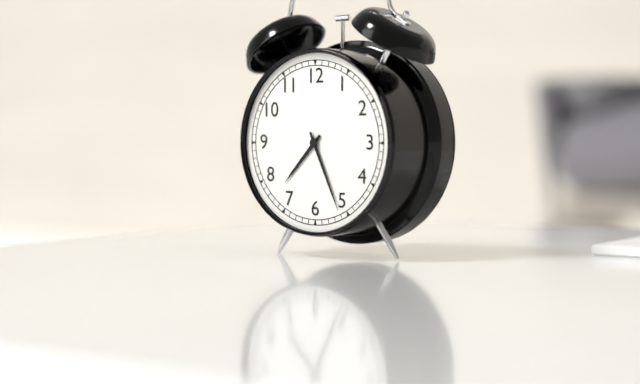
7:26
